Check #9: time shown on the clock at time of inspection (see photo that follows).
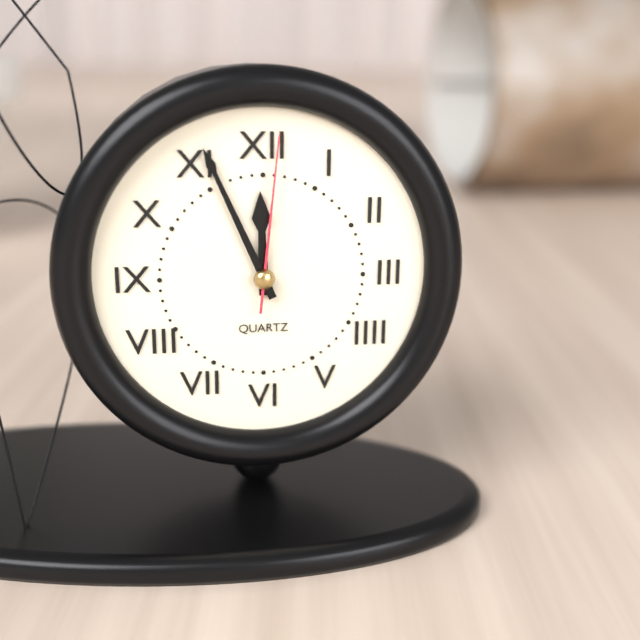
11:56:01
